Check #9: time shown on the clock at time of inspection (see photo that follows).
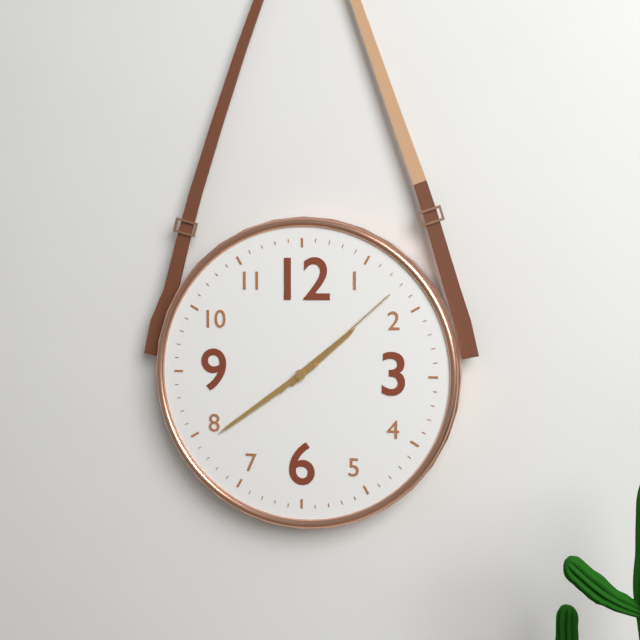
1:39:08
